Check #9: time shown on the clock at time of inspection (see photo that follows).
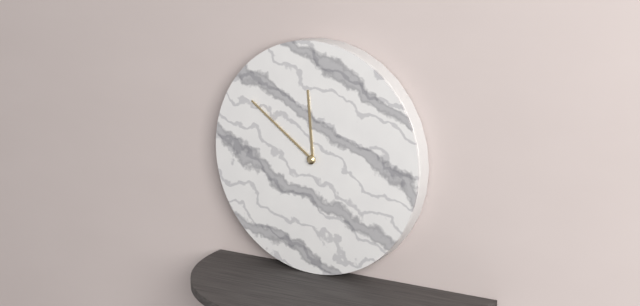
11:51
